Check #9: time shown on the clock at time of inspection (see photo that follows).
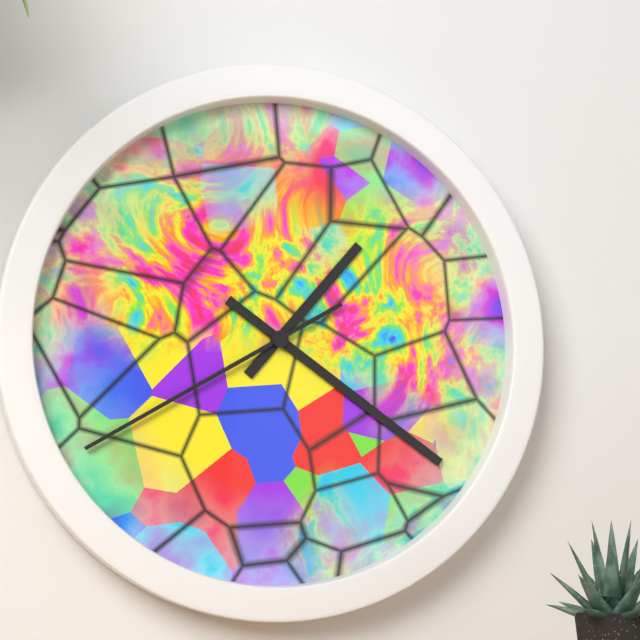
1:21:40
